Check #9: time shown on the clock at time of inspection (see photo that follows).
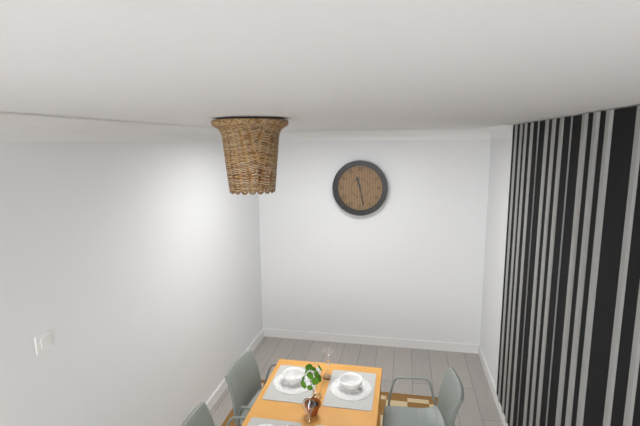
11:28
